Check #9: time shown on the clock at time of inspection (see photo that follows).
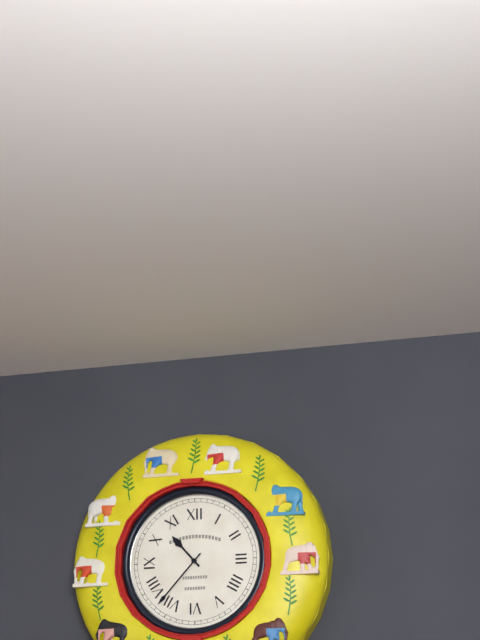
10:37
